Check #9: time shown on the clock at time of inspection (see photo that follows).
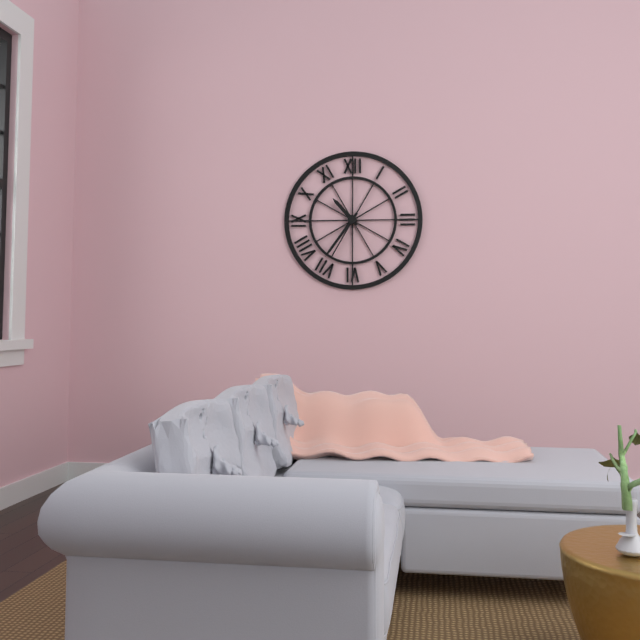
10:36
